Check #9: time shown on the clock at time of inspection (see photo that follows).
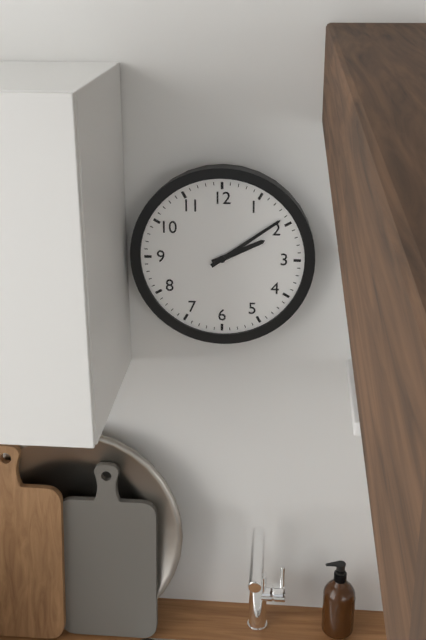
2:09
